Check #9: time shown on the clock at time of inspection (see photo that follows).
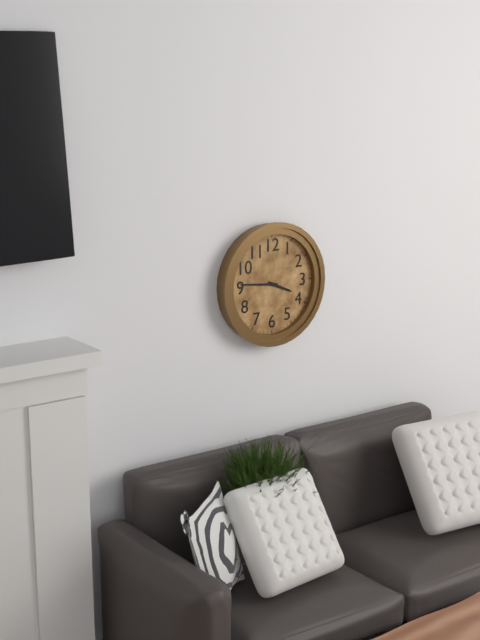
3:46
